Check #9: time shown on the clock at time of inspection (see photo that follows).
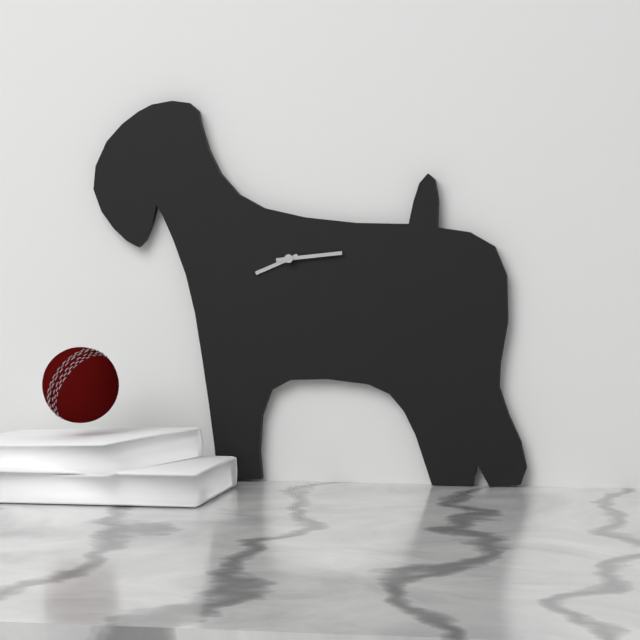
8:14
